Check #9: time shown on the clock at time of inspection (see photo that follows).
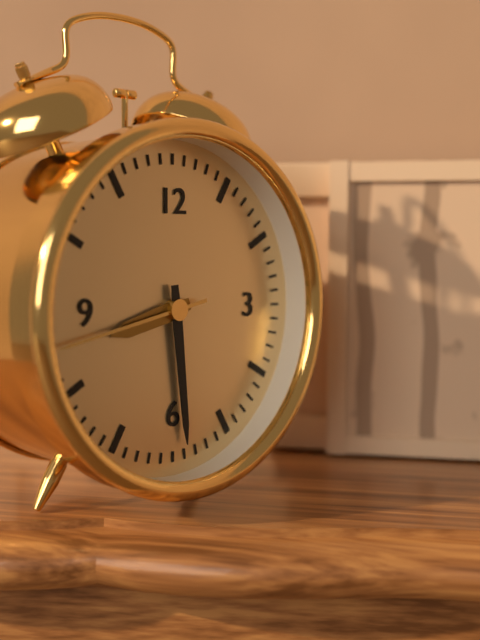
8:29:43
